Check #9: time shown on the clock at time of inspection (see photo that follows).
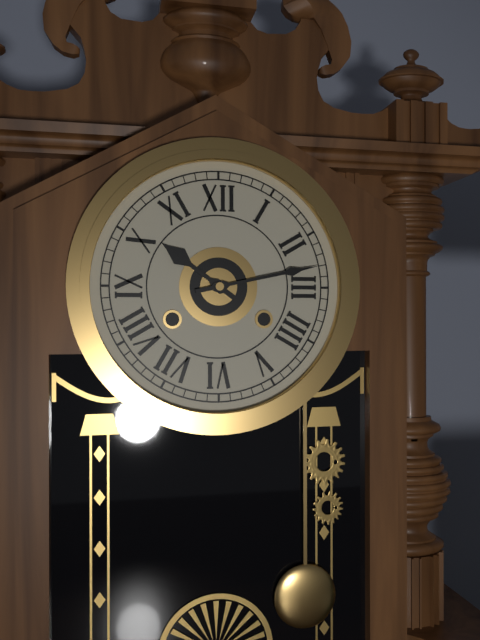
10:13
